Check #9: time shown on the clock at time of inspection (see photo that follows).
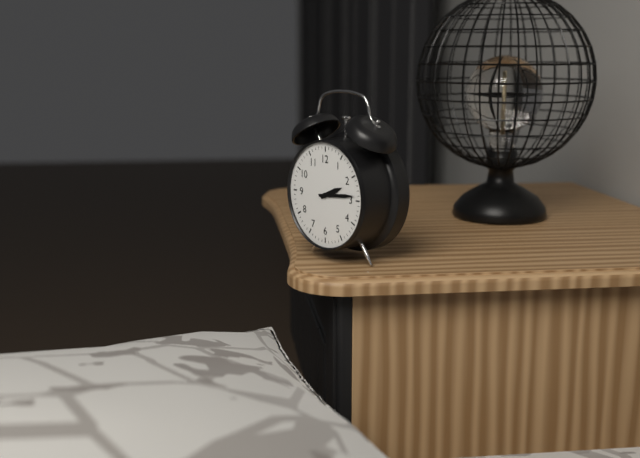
2:14
